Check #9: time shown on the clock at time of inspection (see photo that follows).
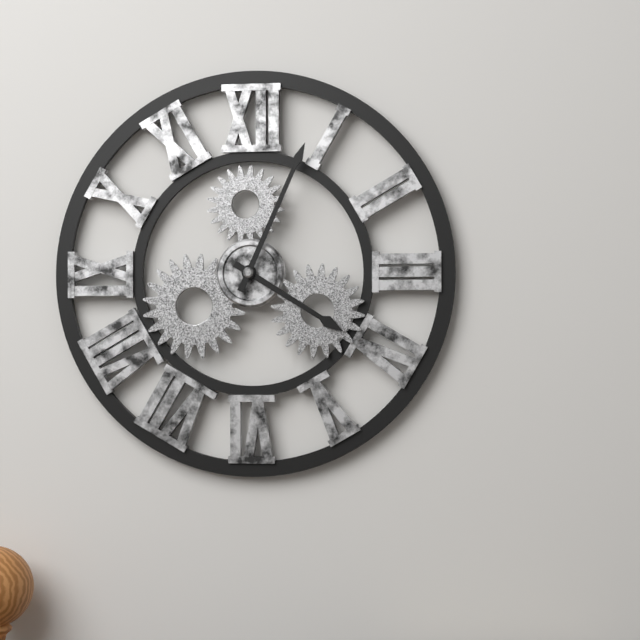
4:04
